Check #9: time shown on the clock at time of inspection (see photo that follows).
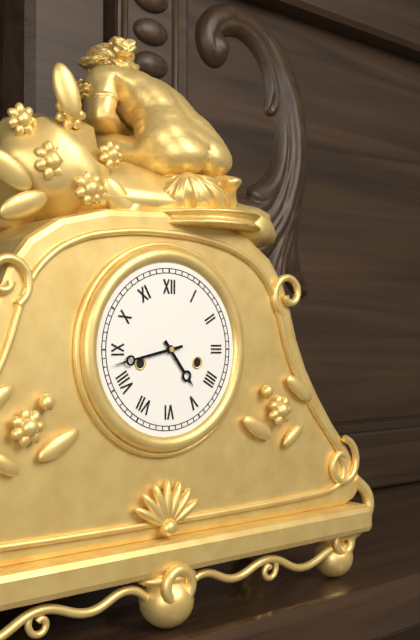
4:43
